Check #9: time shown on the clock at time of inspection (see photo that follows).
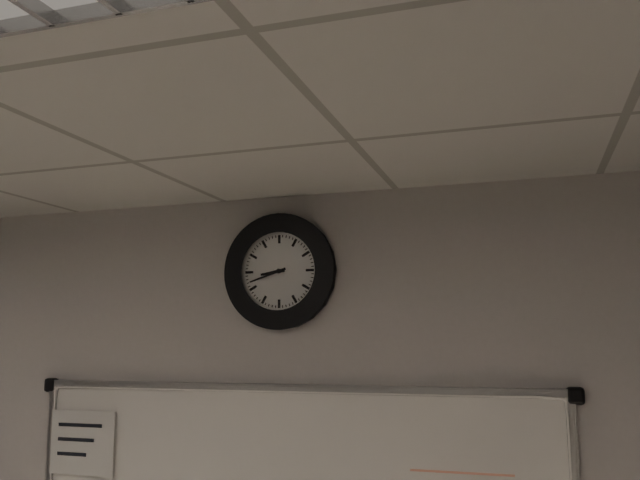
8:42
